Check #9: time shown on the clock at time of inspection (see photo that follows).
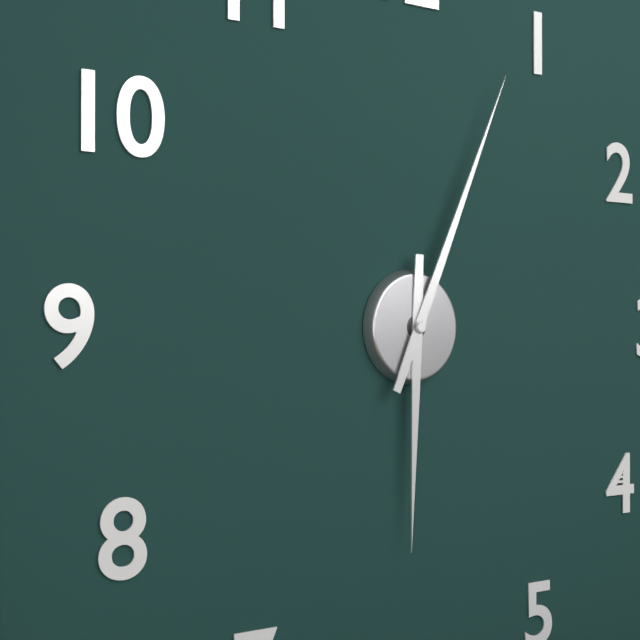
6:04
